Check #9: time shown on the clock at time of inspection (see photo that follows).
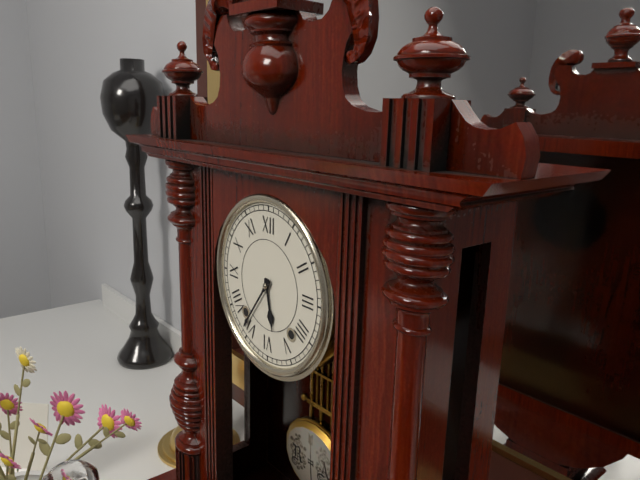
5:36
